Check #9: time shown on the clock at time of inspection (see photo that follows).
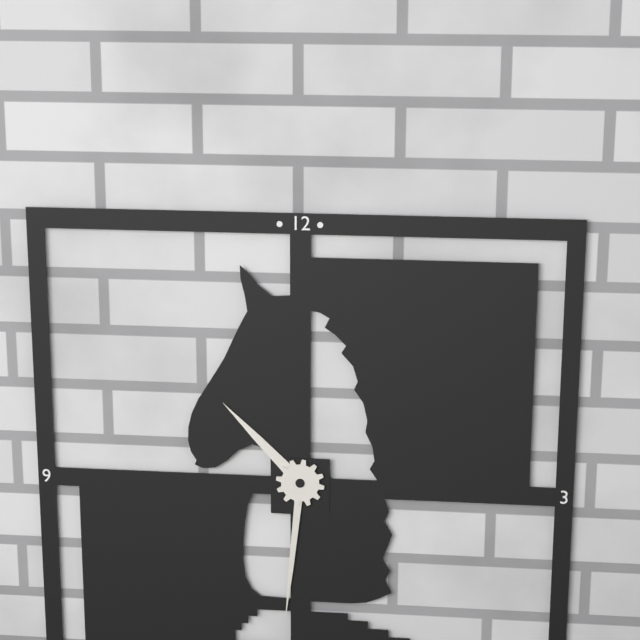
10:31
